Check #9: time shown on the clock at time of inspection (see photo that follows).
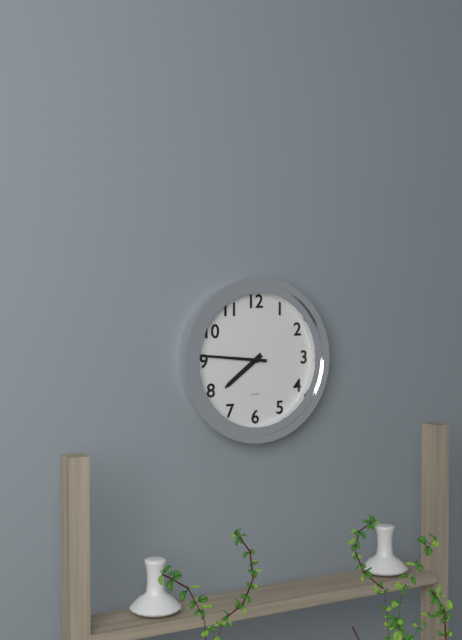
7:46
